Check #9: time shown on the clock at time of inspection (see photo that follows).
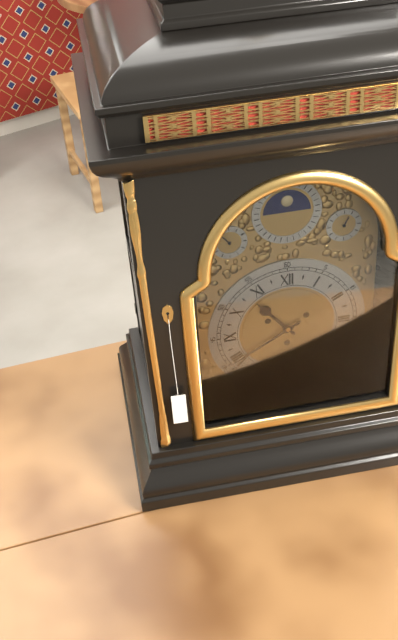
10:40
